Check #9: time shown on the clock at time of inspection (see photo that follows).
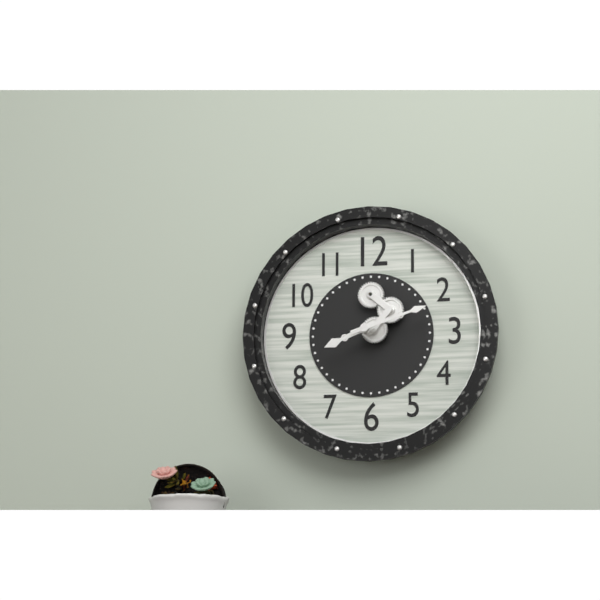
8:12
